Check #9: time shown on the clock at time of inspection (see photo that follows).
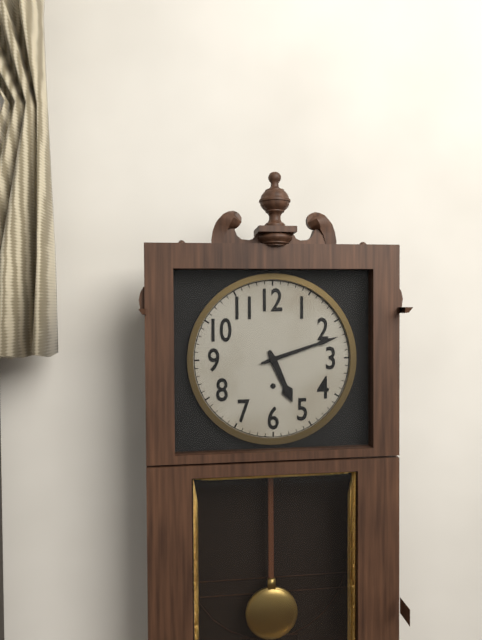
5:12
